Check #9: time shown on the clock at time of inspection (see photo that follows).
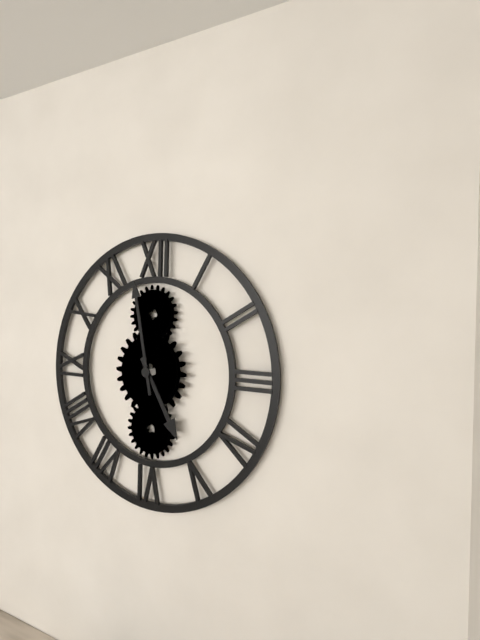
4:58
